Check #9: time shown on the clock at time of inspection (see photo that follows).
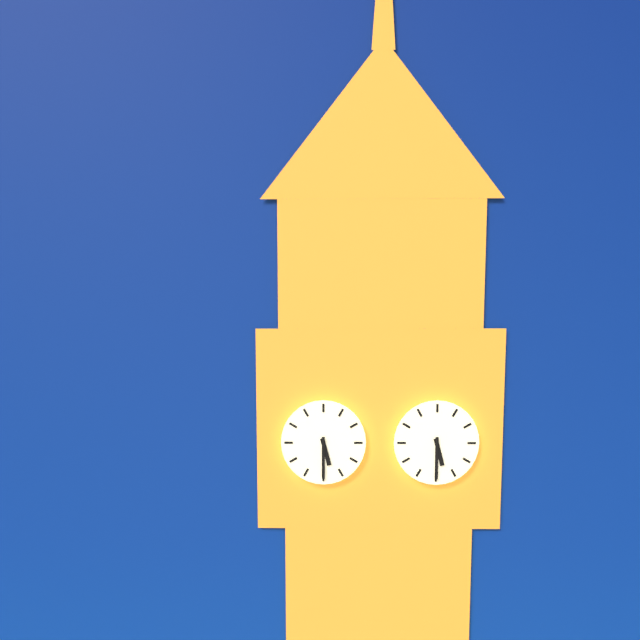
5:30
